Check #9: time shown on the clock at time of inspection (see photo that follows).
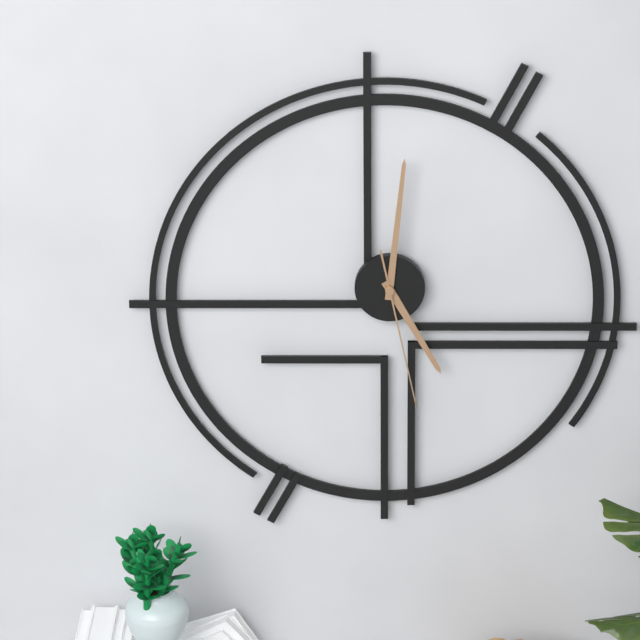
5:01:28
